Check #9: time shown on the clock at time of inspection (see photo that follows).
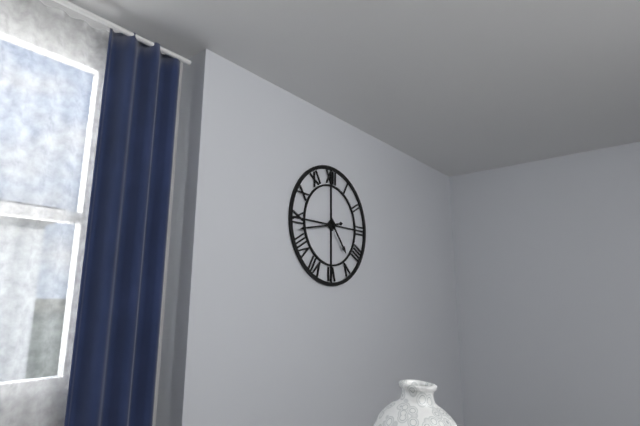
4:43
